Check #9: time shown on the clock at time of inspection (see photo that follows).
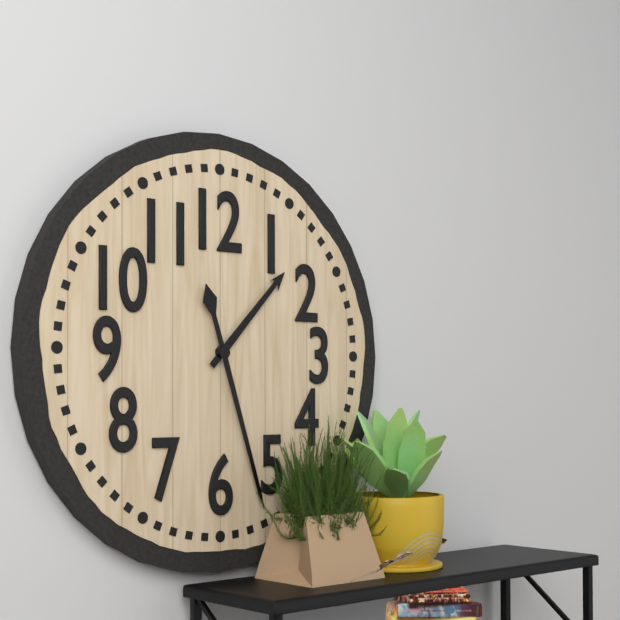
1:27
